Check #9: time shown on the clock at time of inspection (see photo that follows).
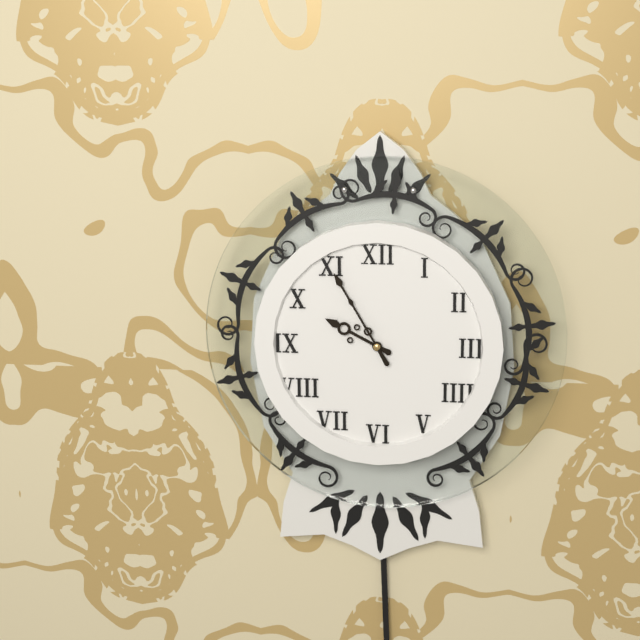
9:55
